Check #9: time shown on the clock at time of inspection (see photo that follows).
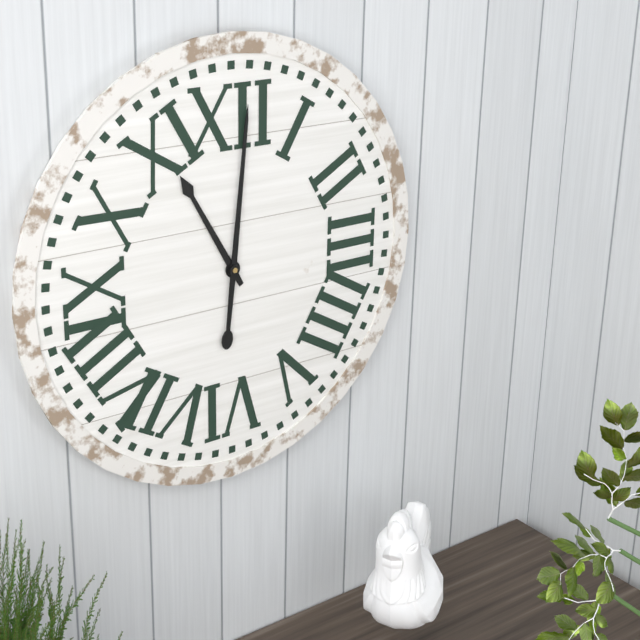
11:01
